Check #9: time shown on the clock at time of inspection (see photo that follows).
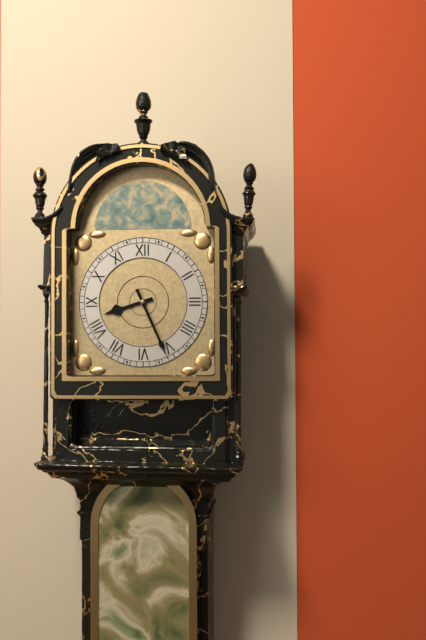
8:26
